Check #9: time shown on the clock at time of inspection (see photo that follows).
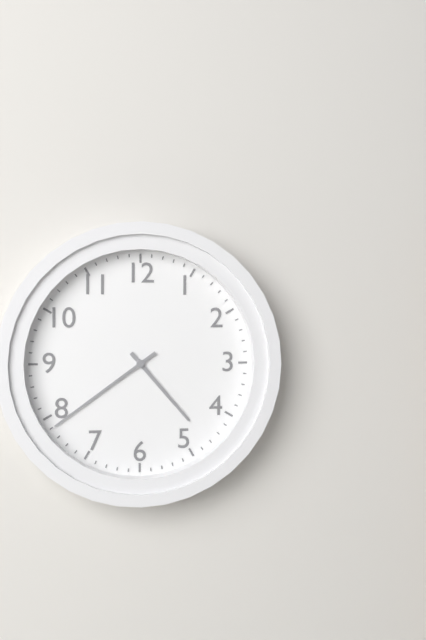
4:39
